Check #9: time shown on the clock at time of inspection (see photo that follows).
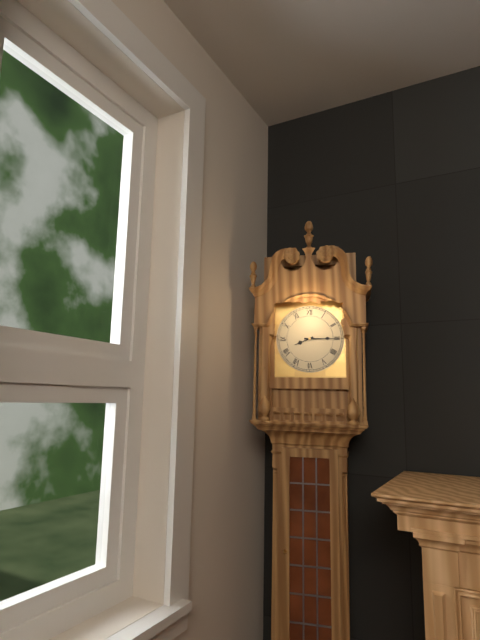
8:15
